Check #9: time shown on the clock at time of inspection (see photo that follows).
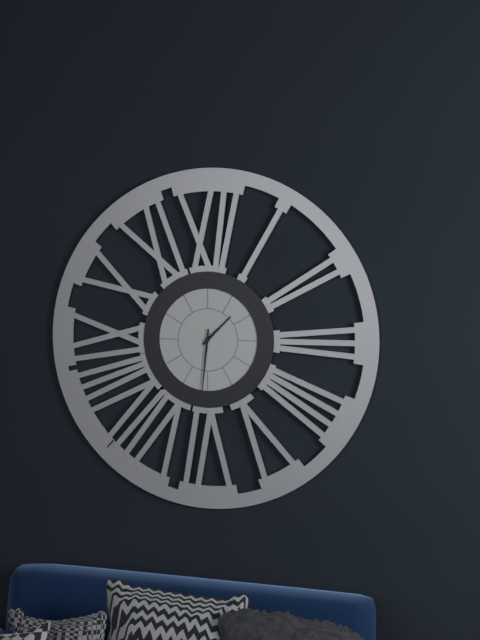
1:31
